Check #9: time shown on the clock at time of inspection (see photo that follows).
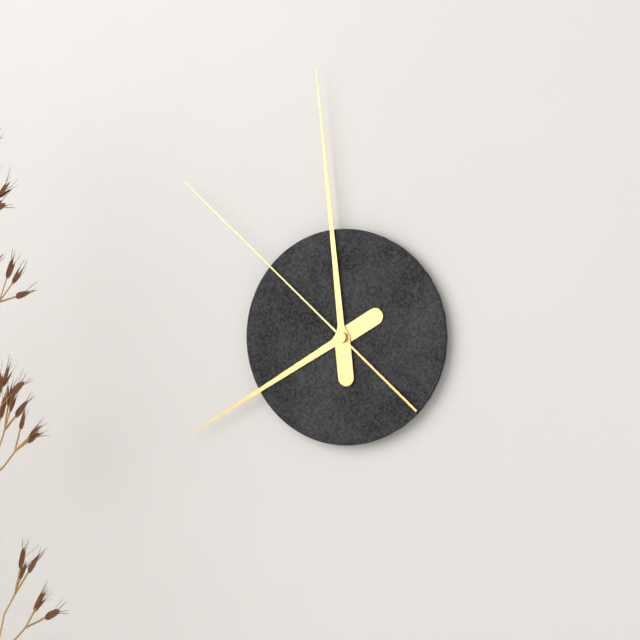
7:59:52
